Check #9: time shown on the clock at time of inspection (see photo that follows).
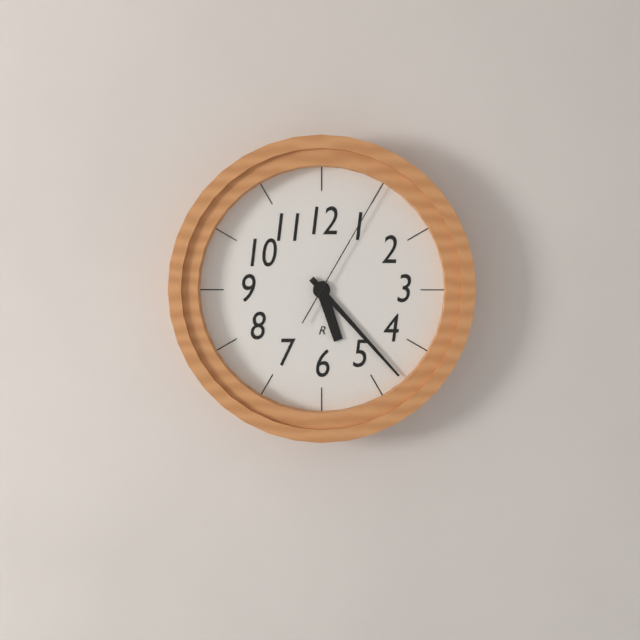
5:23:05
